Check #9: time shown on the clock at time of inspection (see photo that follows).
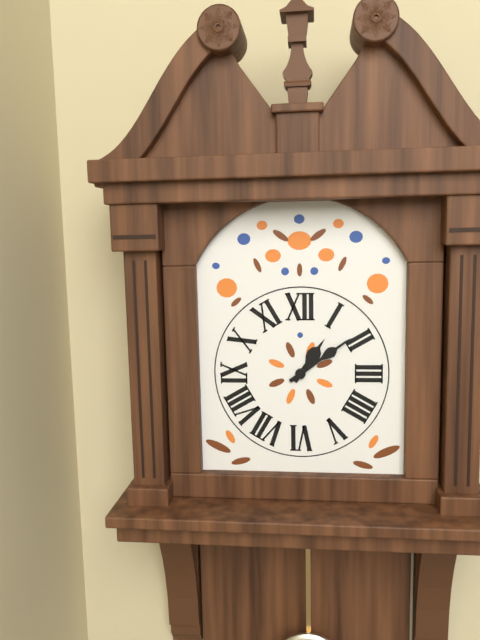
1:09
